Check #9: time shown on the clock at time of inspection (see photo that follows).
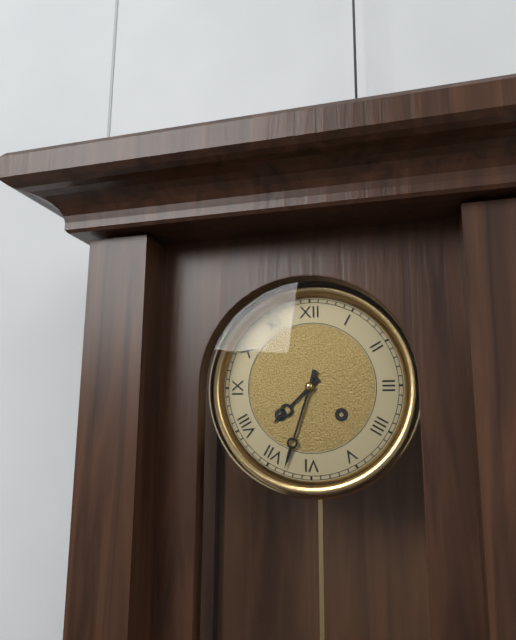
7:33
